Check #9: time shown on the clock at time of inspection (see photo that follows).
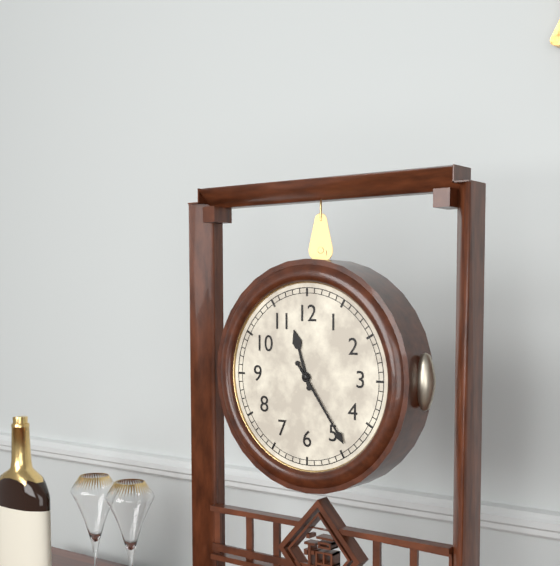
11:24
